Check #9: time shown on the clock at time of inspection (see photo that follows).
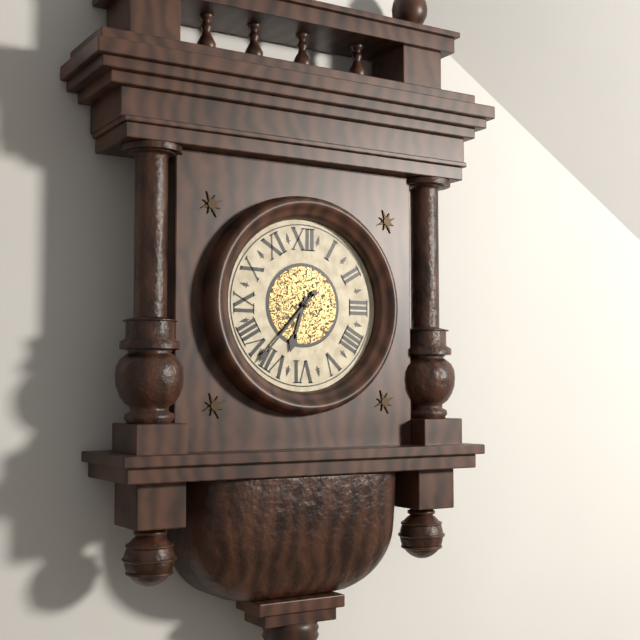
6:37
